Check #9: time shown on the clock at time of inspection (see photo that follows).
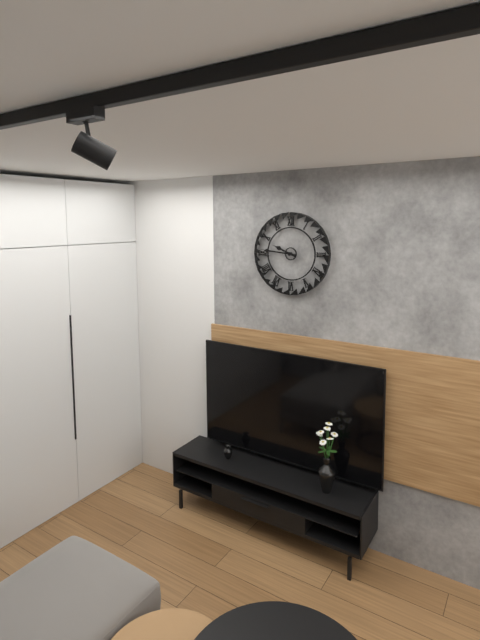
9:46
